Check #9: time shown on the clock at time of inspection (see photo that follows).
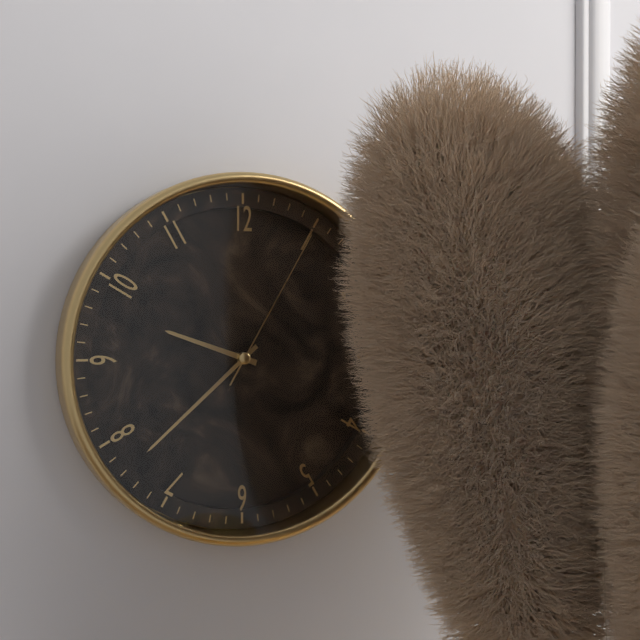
9:38:05
